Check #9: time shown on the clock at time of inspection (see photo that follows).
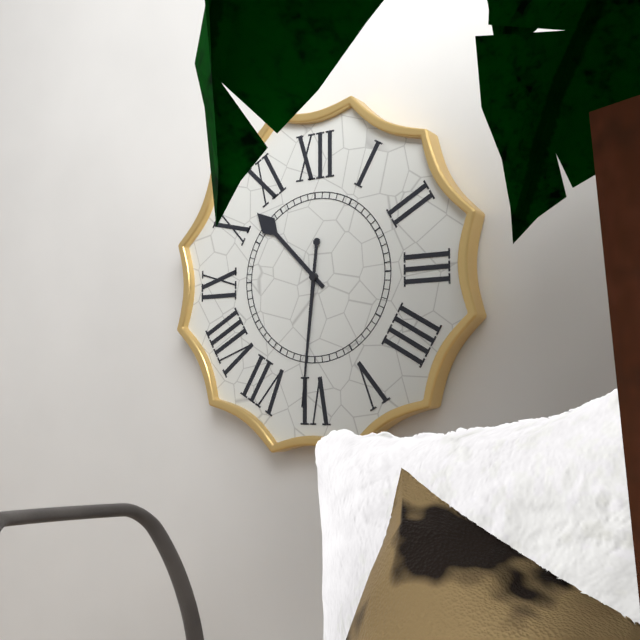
10:31
